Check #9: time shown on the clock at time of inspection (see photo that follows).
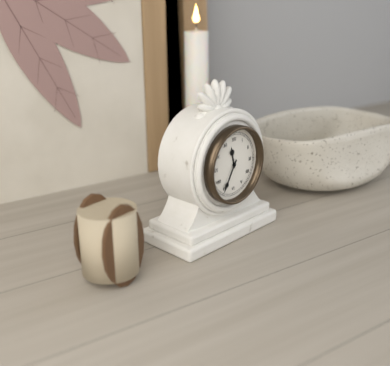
11:35
